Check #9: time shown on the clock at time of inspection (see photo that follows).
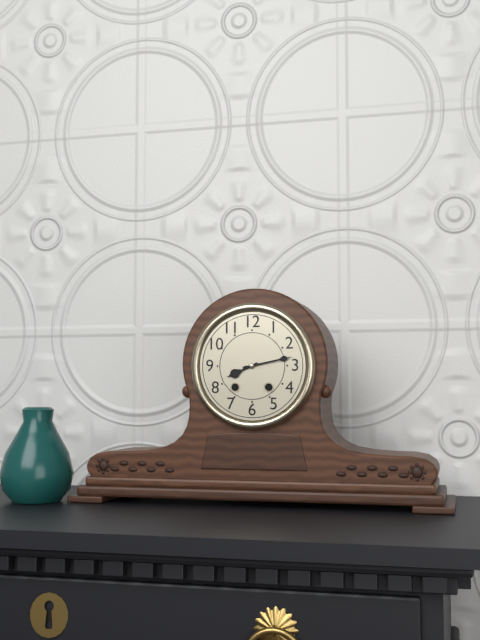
8:13
